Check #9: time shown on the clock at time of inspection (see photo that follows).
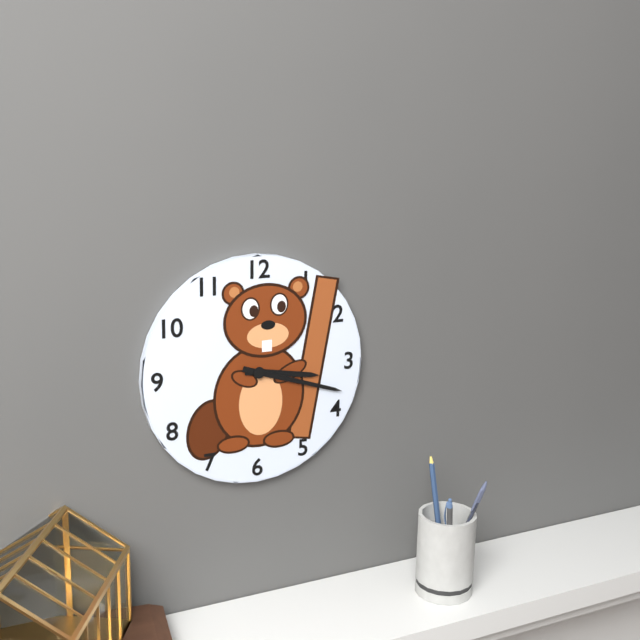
3:18
